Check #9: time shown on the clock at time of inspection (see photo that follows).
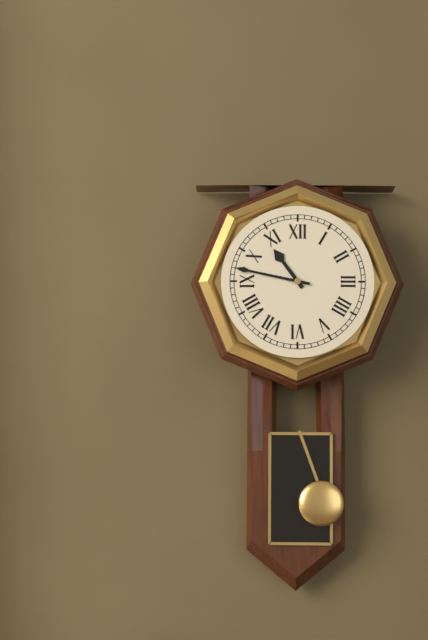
10:47
